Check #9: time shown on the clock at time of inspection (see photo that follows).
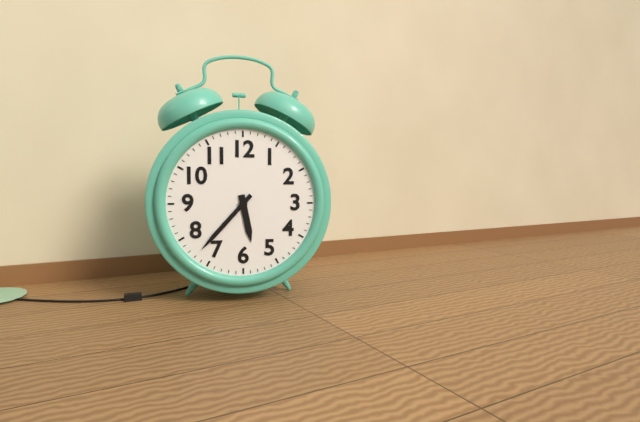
5:37
